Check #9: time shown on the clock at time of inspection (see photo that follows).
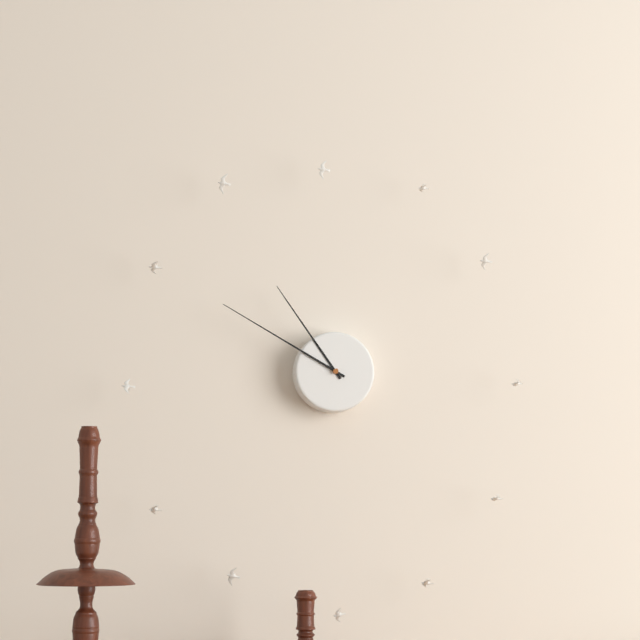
10:50
